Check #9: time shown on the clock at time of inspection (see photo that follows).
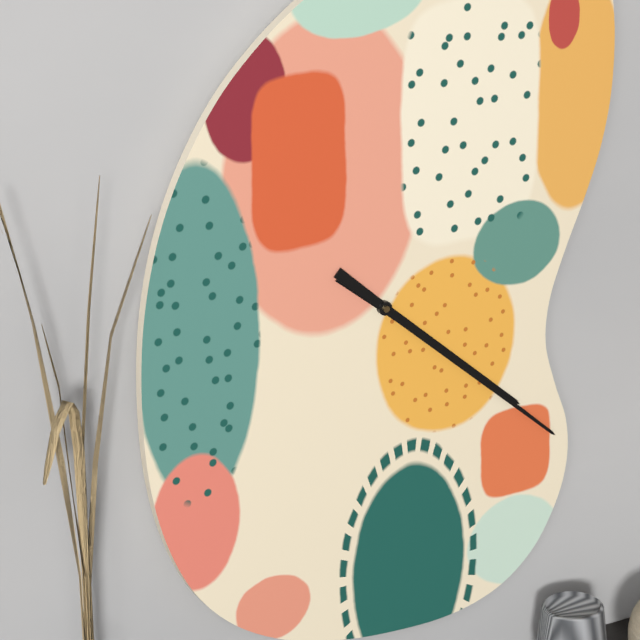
4:22
